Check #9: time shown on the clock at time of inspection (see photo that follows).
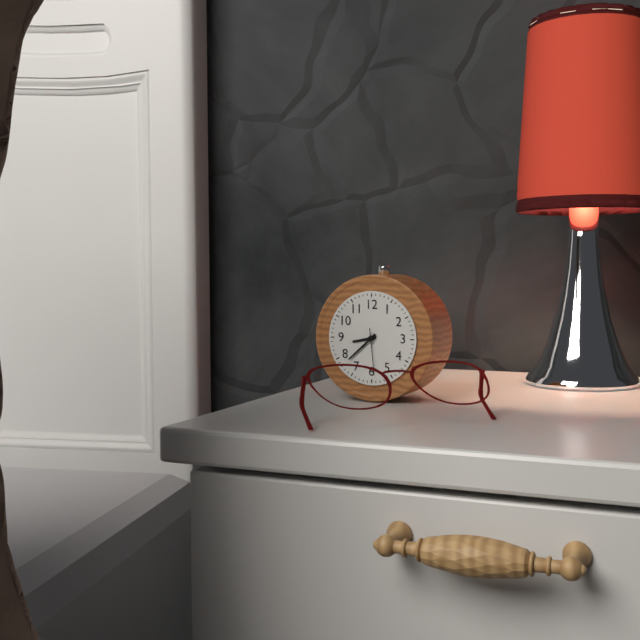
8:38
